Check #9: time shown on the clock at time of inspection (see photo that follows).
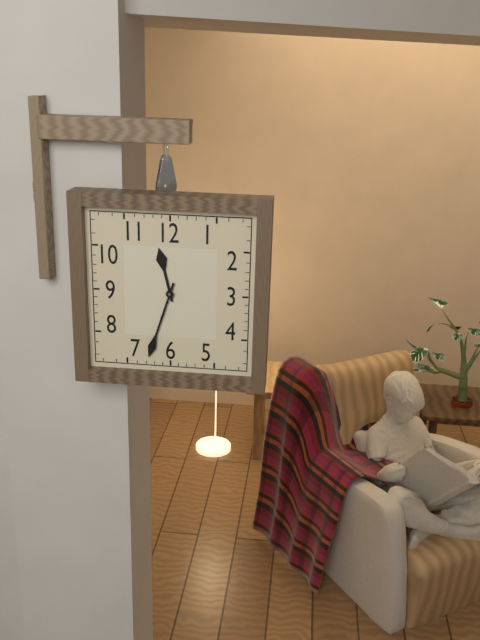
11:33
